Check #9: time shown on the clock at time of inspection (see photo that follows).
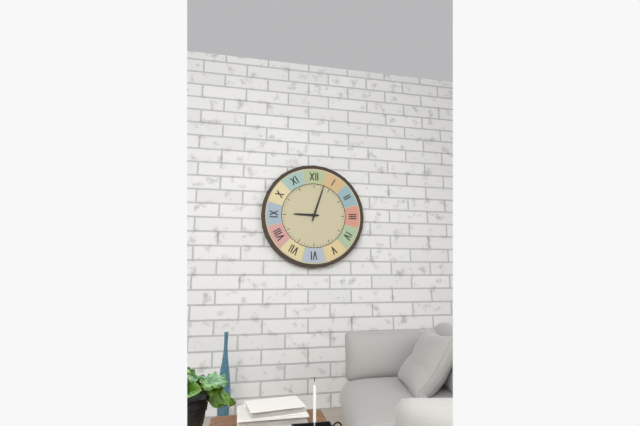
9:03
